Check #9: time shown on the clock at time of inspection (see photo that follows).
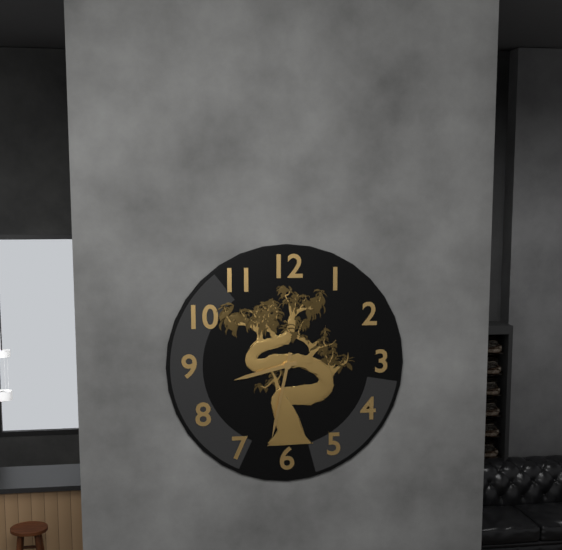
8:32
